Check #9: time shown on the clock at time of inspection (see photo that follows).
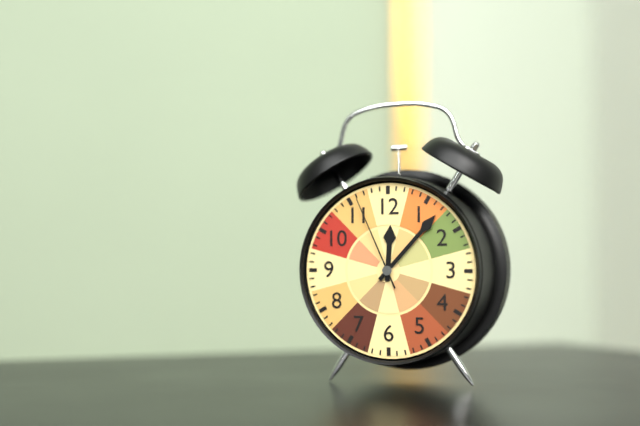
12:07:56
